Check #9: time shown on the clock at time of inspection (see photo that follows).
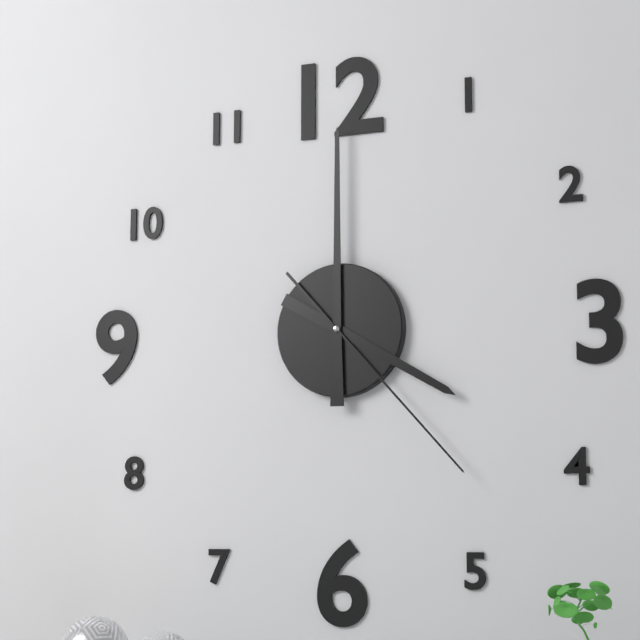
4:00:23
